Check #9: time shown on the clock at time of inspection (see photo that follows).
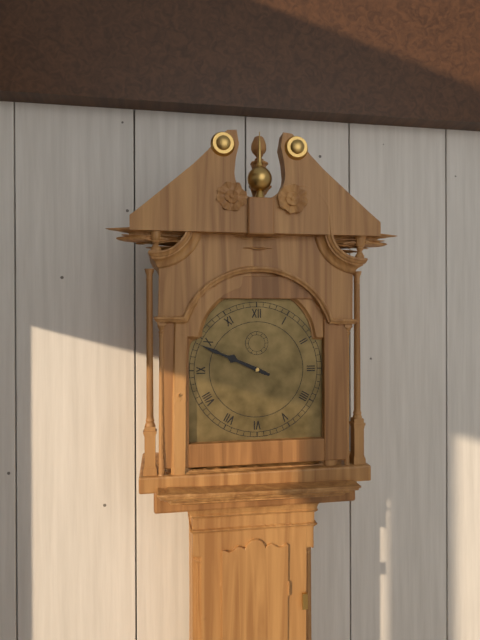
9:49
